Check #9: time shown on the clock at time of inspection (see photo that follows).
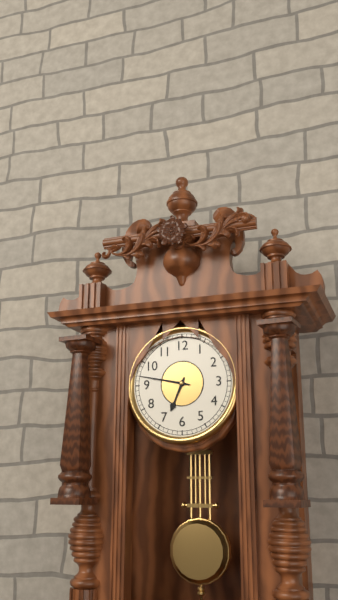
6:47
